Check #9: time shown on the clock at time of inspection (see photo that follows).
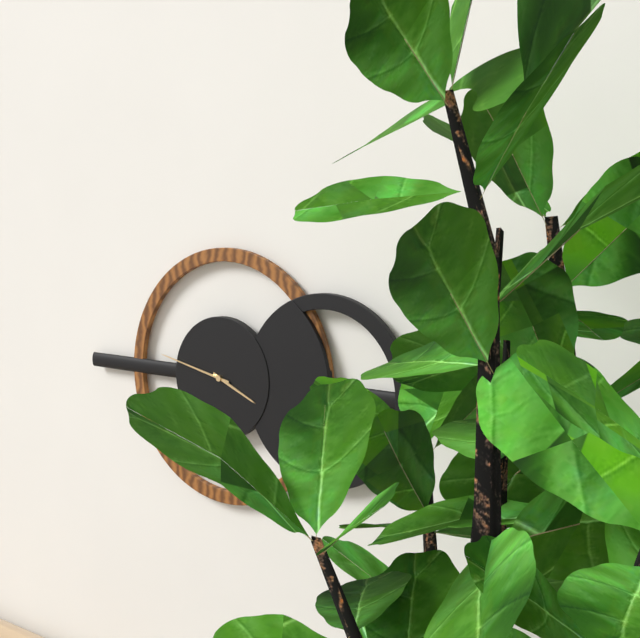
3:47
